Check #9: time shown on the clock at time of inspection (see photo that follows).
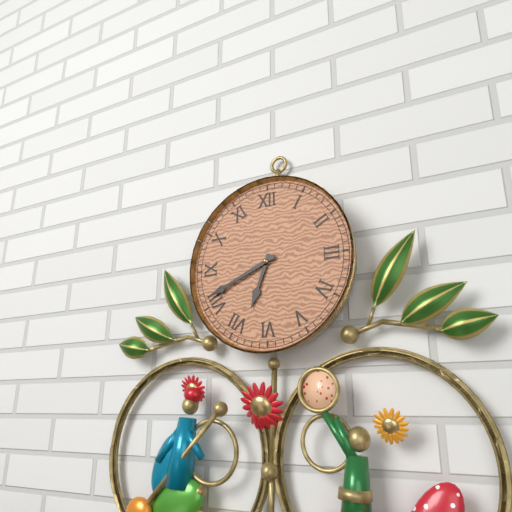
6:41
